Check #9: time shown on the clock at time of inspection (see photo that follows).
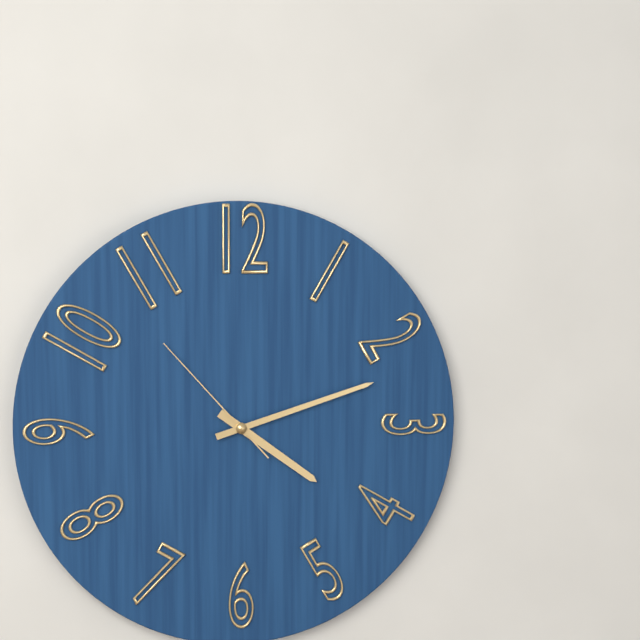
4:12:53
